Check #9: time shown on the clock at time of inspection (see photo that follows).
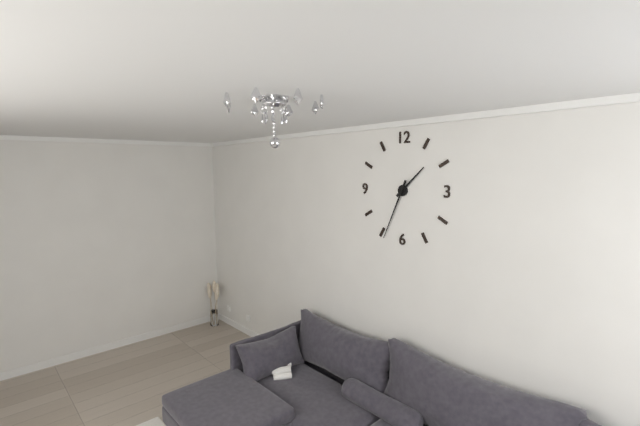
1:34
